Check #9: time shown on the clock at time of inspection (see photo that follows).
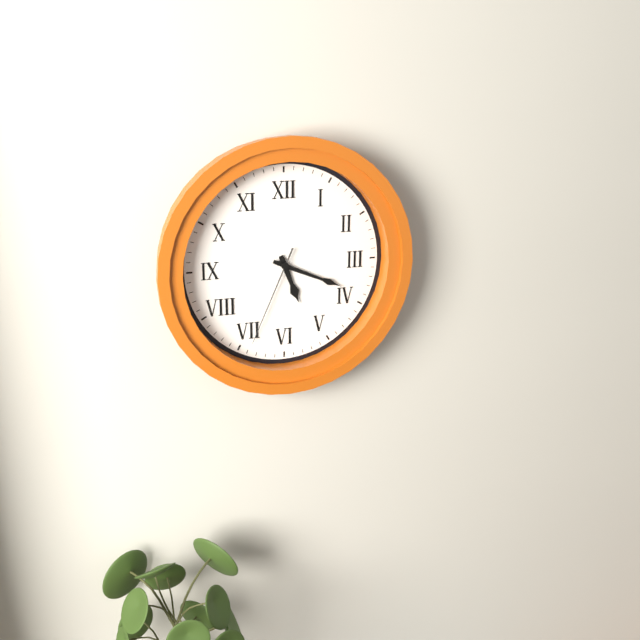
5:19:34
